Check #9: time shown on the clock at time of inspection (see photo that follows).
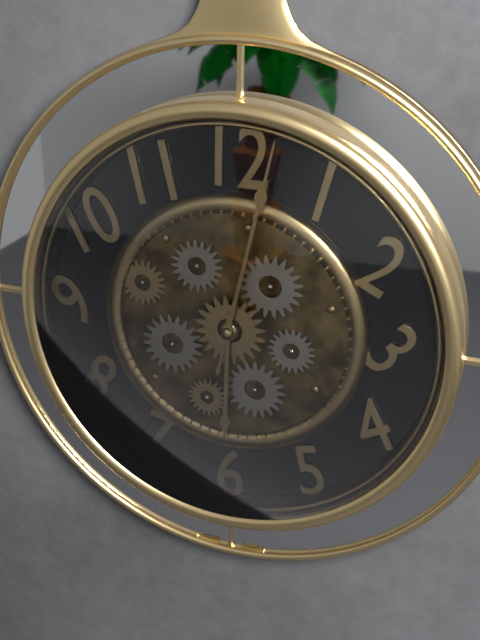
6:02
